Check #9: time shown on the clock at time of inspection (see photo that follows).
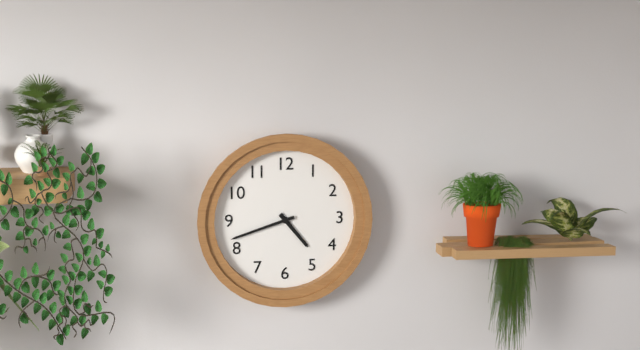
4:42
